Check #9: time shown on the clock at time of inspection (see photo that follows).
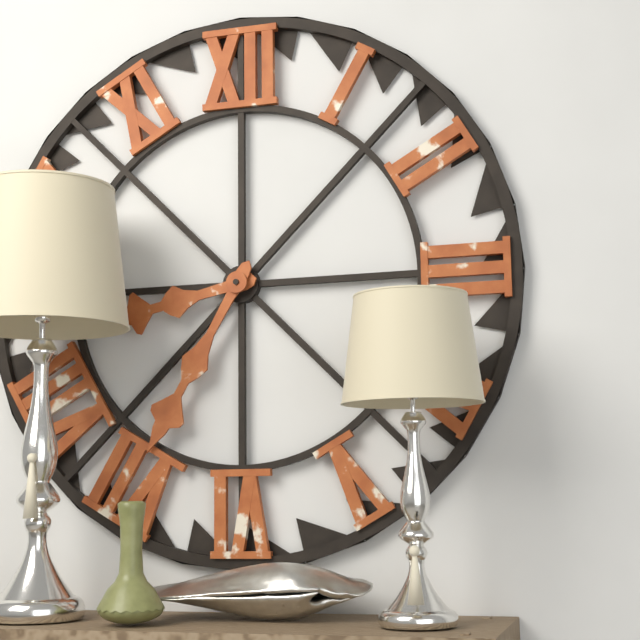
8:35
